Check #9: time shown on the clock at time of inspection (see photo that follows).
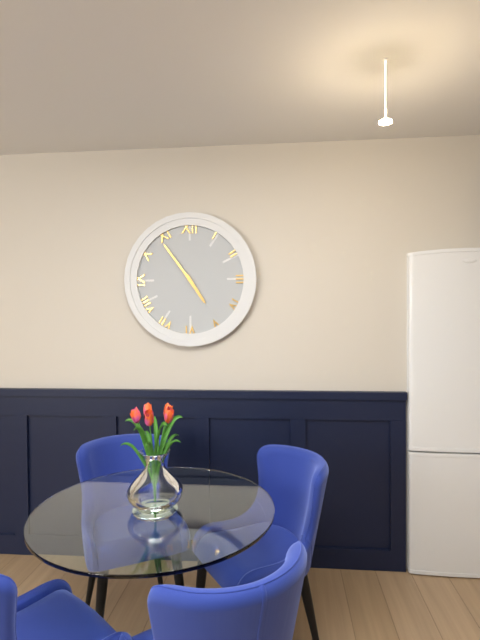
4:54
